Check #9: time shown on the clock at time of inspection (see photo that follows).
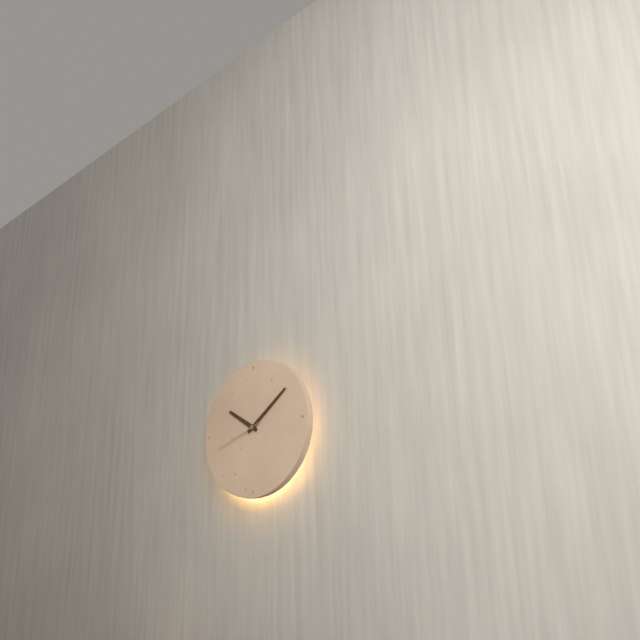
10:09:42
